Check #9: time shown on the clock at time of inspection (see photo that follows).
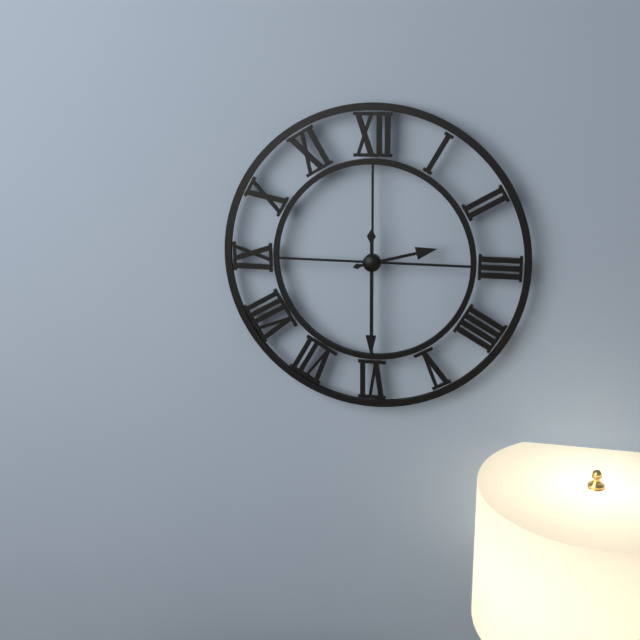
2:30
